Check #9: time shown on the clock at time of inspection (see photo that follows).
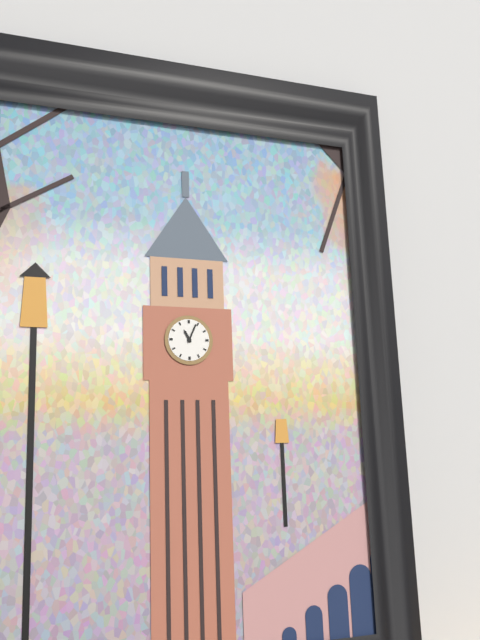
11:04
